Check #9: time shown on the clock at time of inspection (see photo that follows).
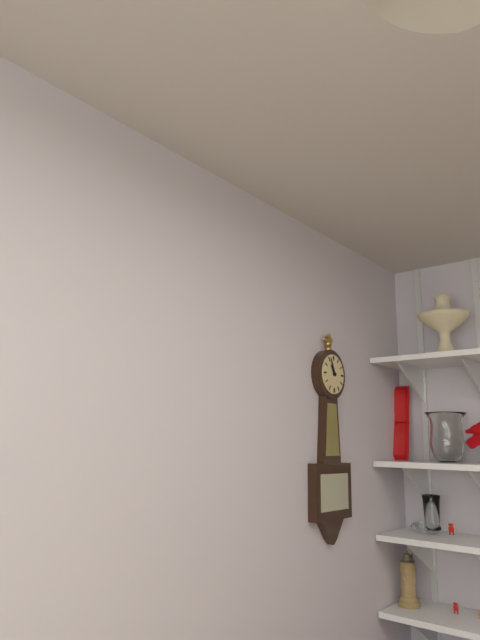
10:56
